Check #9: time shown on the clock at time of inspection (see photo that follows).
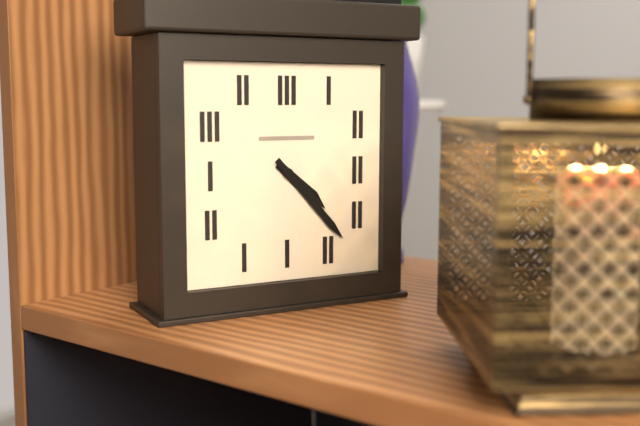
4:23
